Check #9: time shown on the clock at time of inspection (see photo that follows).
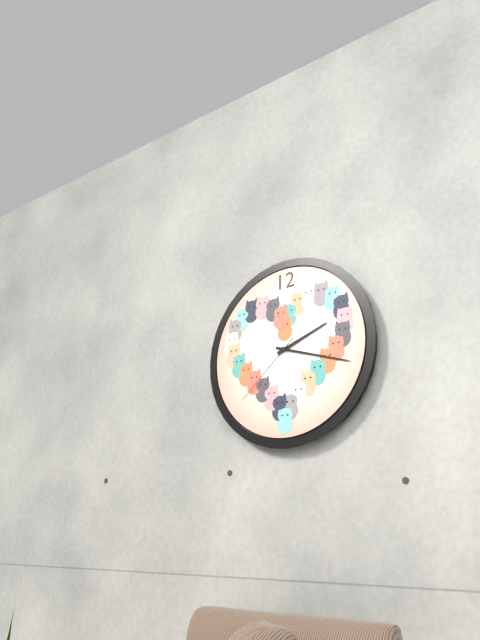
2:18:38
